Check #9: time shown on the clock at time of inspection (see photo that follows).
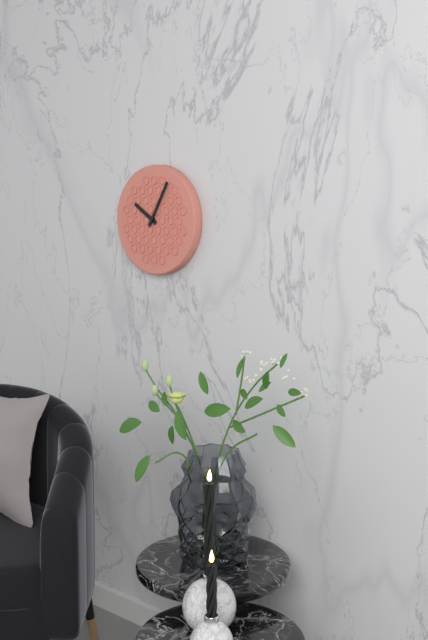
10:05
